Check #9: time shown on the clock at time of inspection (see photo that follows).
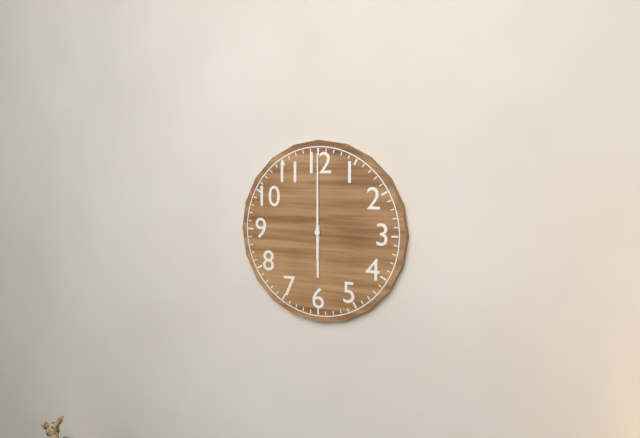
6:00
